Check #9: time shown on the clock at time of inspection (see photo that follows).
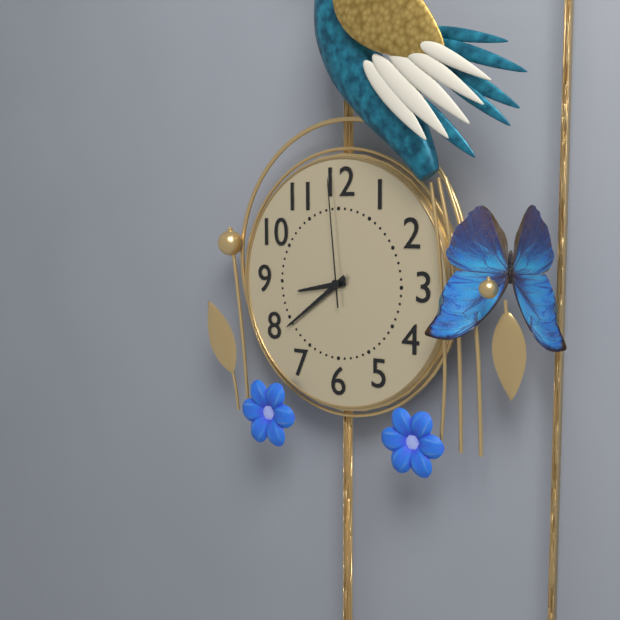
8:39:59
